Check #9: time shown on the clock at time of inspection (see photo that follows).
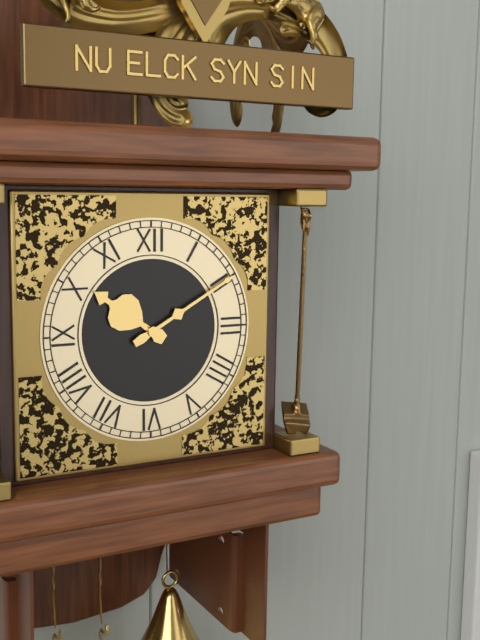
10:10
